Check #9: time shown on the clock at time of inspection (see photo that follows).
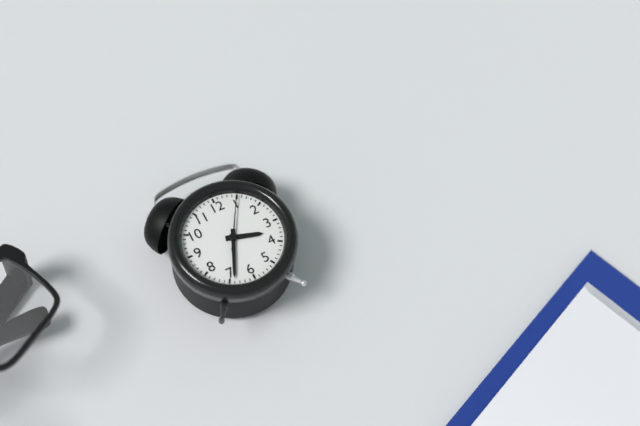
3:34:05
